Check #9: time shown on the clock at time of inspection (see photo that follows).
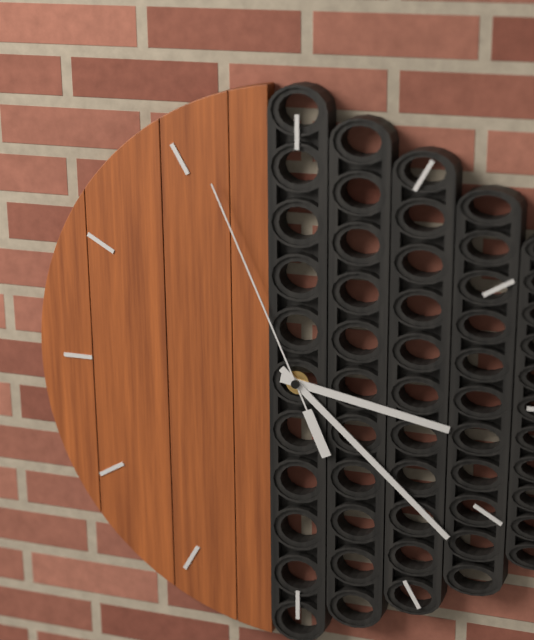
3:22:56
